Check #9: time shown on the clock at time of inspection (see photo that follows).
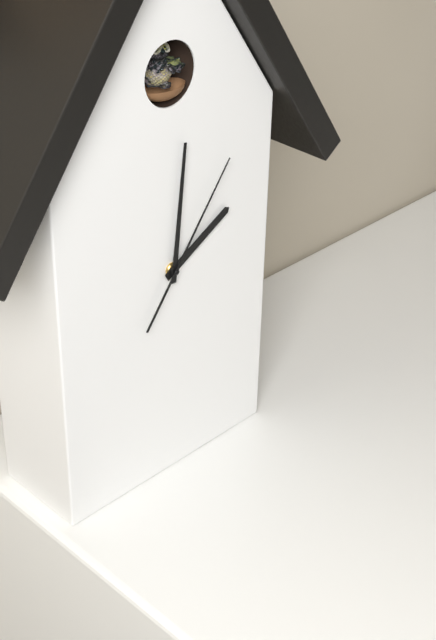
2:01:06
